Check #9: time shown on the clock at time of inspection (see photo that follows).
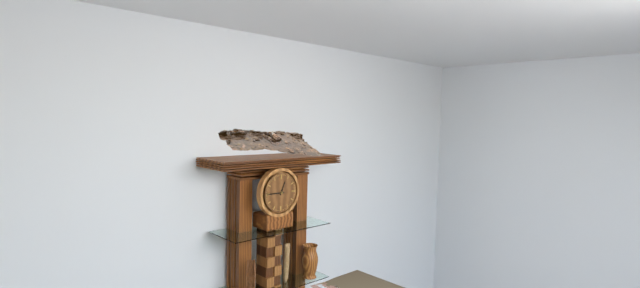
12:45
